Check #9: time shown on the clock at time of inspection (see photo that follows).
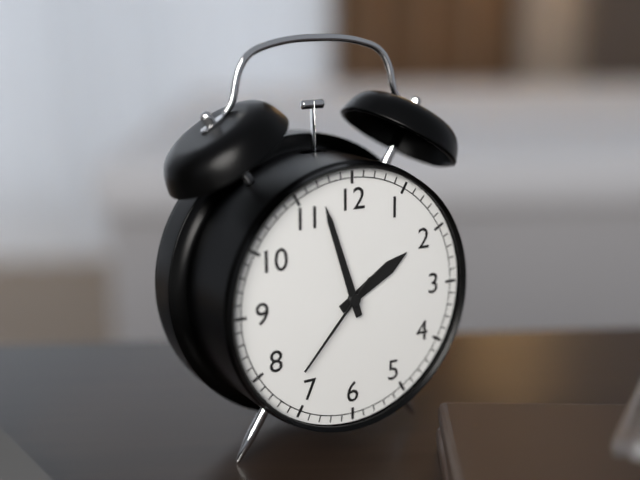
1:57:37
